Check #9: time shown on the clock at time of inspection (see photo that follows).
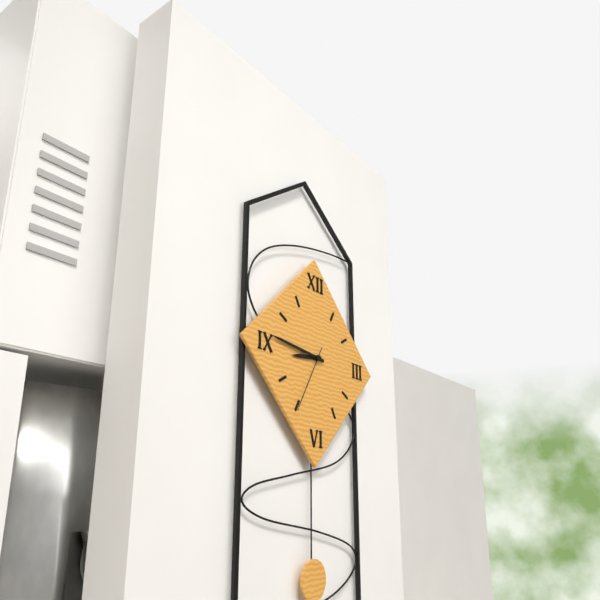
8:46:35
